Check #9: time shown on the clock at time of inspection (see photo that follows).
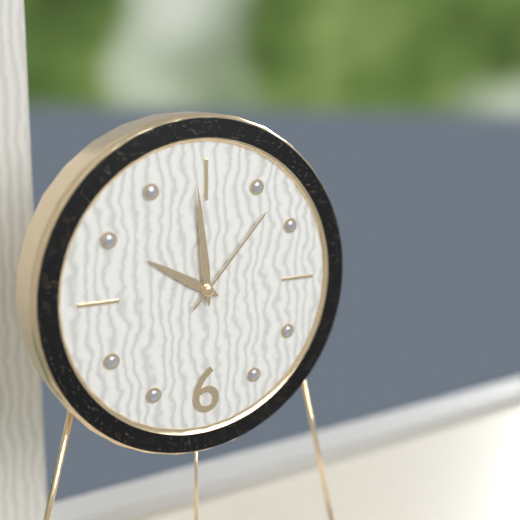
9:59:07
